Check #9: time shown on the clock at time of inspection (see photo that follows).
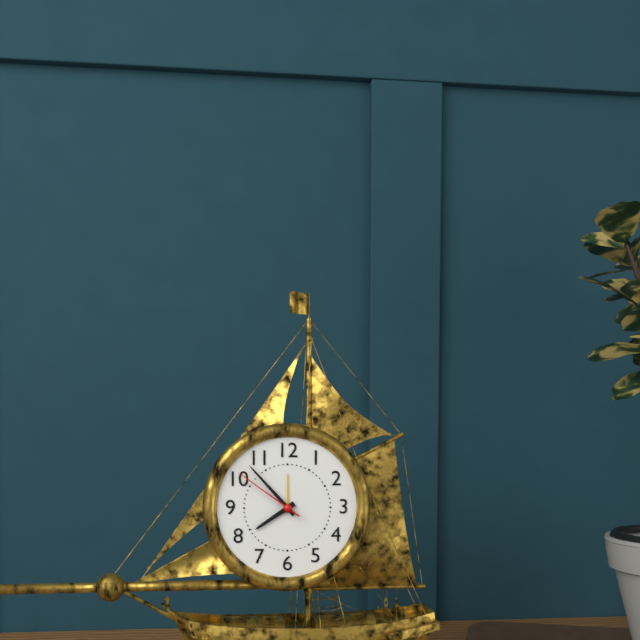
7:53:51
